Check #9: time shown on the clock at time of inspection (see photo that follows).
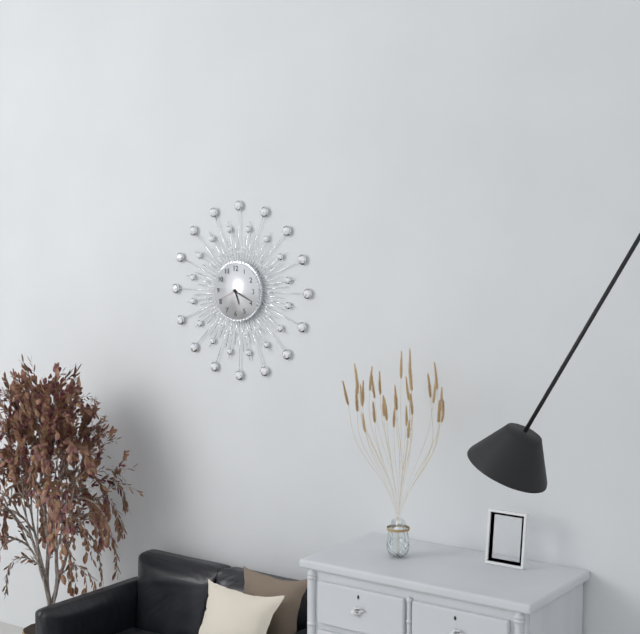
5:19
